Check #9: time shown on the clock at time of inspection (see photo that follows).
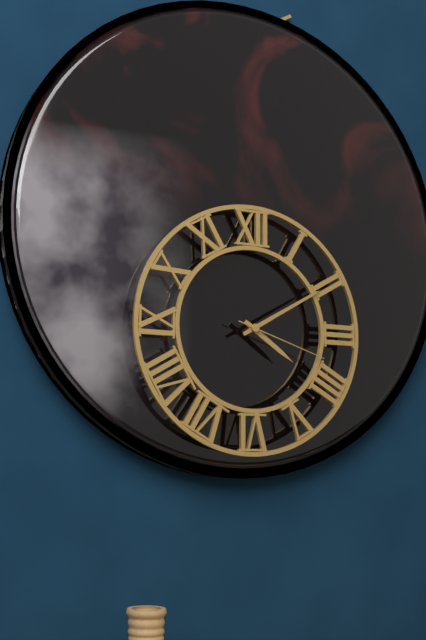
4:10:18
